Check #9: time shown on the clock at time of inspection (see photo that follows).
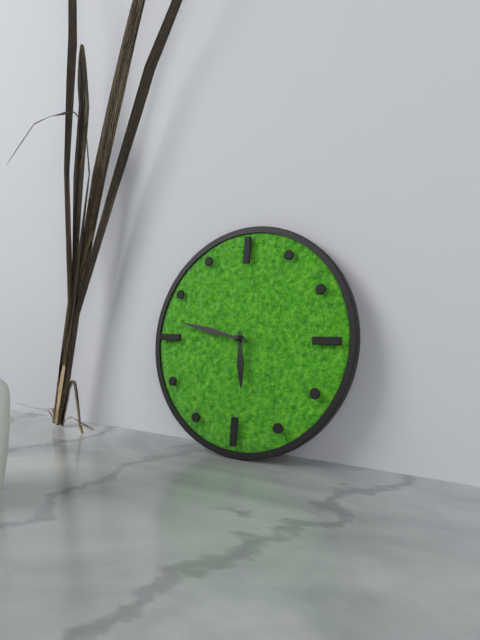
5:47
